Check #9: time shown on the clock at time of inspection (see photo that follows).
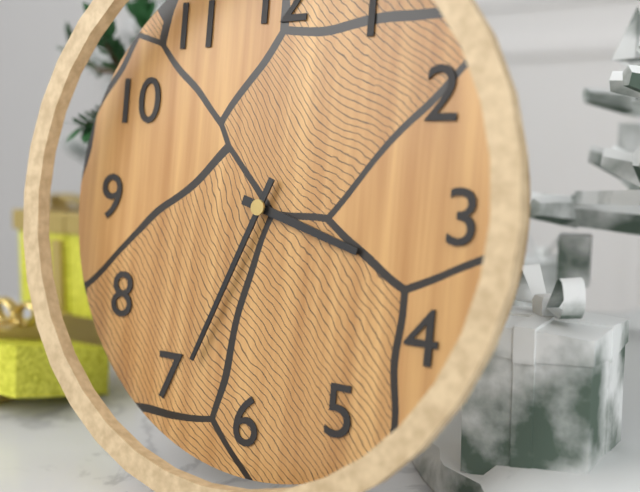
3:34
